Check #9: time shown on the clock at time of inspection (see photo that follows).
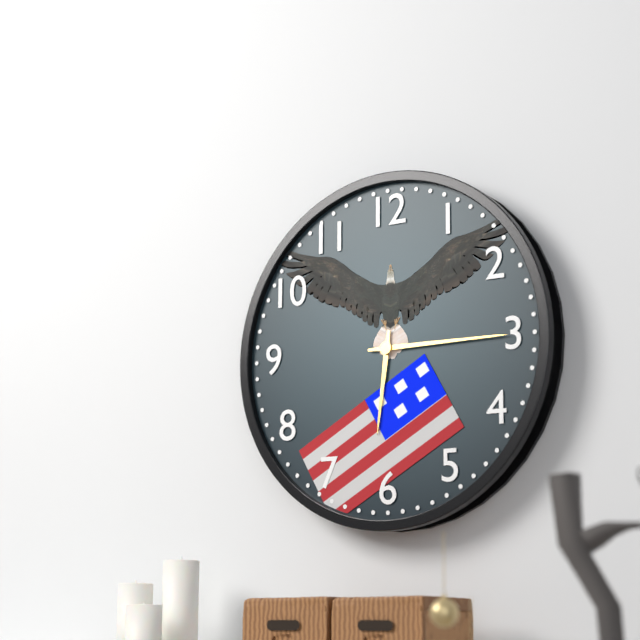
6:15
